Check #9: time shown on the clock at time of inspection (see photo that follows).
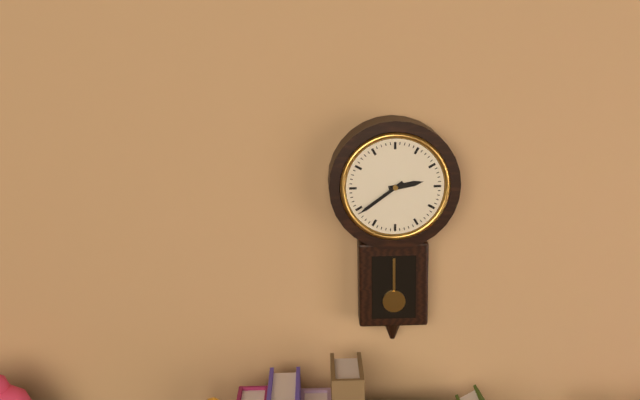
2:39
